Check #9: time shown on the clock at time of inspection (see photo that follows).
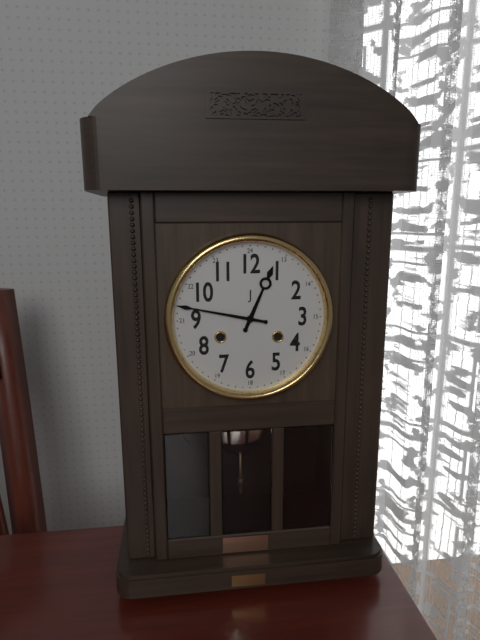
12:47
